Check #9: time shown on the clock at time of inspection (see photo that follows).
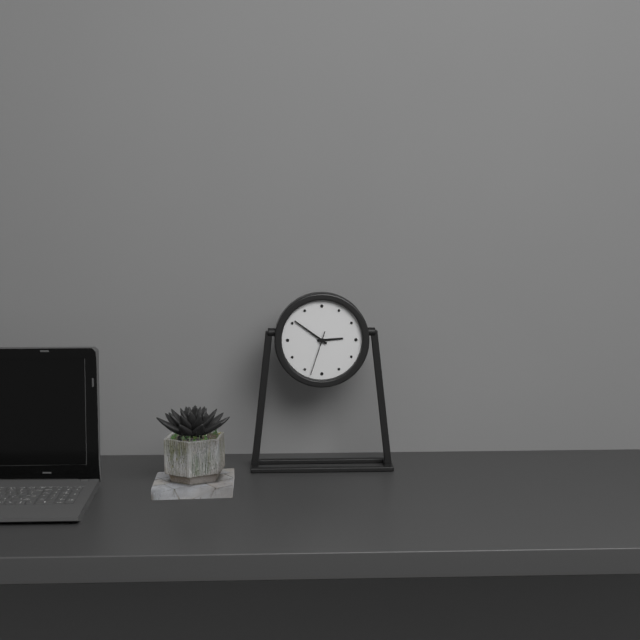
2:51
